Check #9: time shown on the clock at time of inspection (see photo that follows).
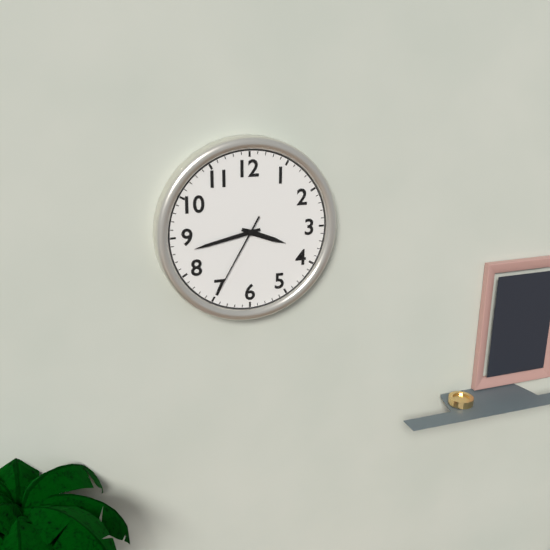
3:43:35
